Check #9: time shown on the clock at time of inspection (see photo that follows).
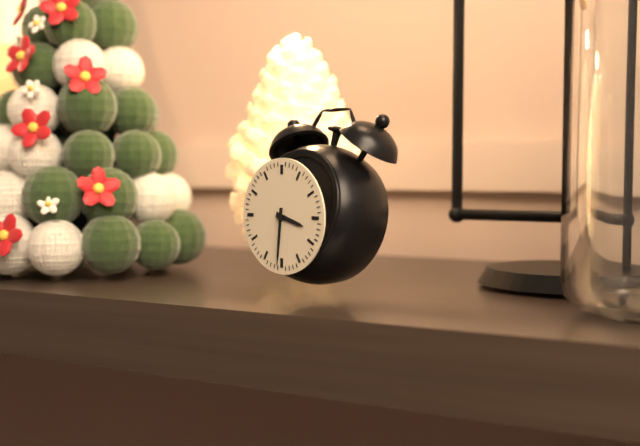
3:31
